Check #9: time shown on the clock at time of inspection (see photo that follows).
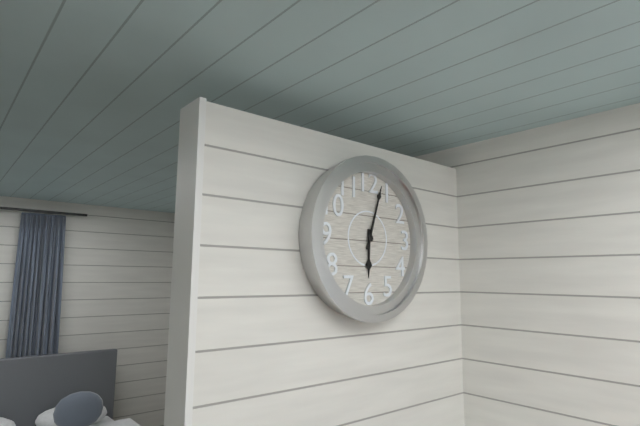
6:03
